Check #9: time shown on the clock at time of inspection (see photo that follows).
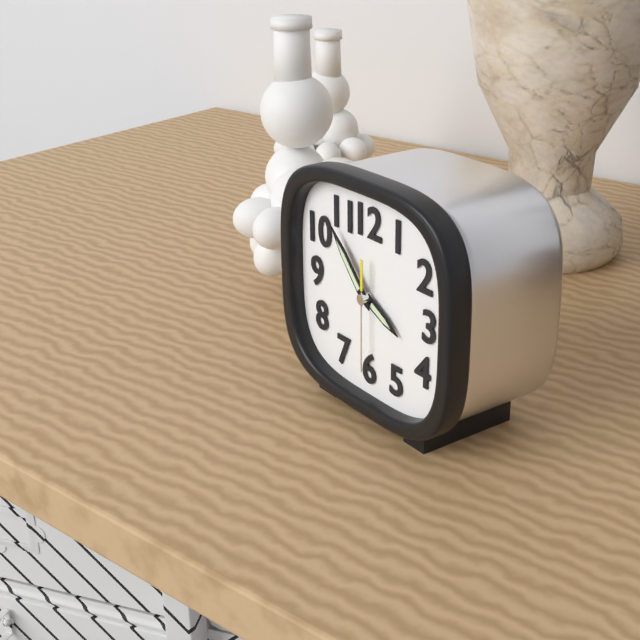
3:53:30
